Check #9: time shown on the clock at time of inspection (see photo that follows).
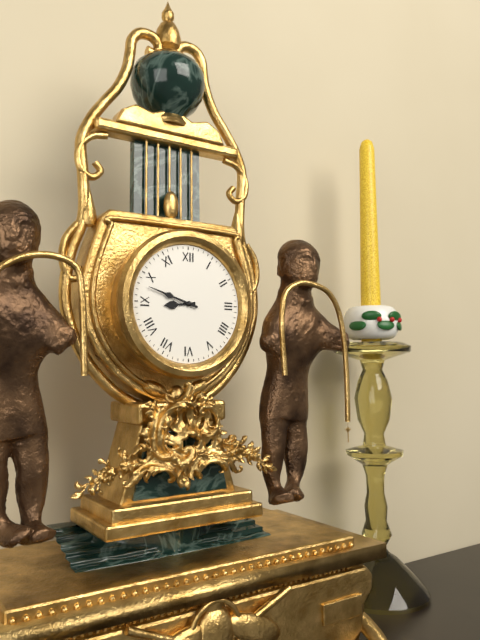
8:48
